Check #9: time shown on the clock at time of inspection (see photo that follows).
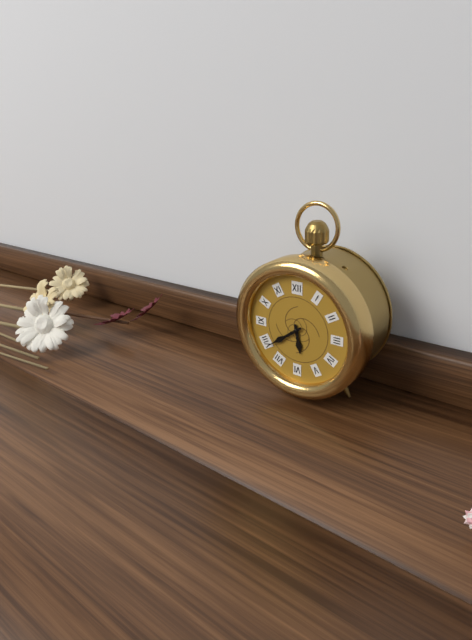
5:39
